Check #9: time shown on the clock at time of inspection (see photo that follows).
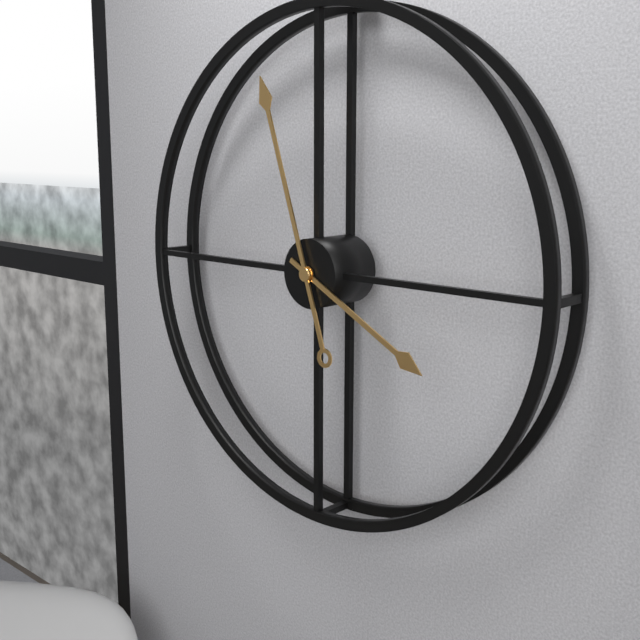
3:57
